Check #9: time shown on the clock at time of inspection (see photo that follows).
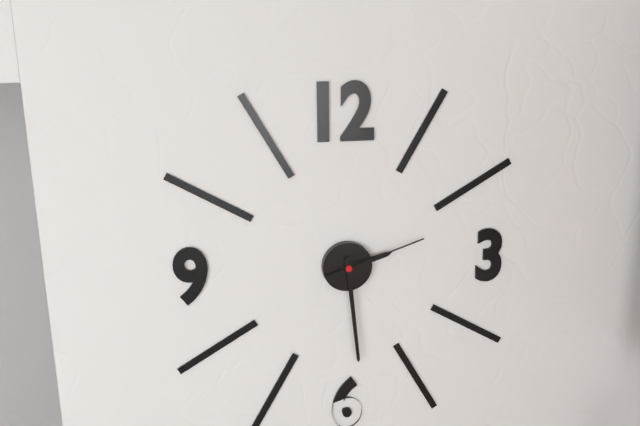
2:29:12
